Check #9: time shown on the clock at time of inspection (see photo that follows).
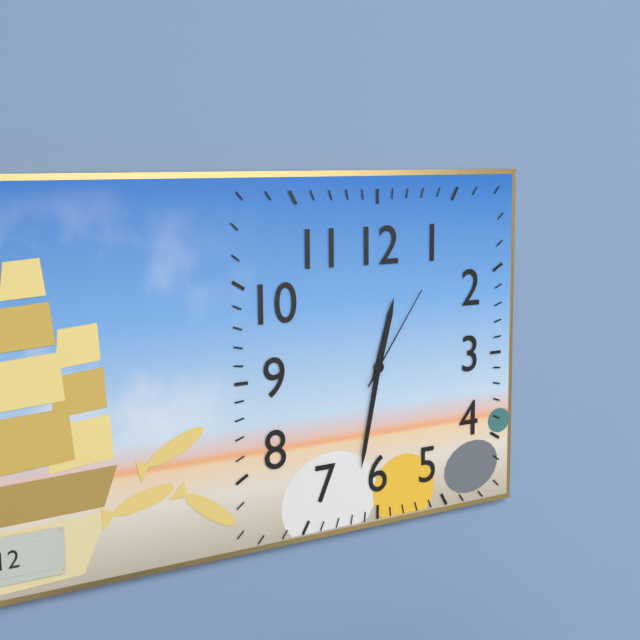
12:32:06
